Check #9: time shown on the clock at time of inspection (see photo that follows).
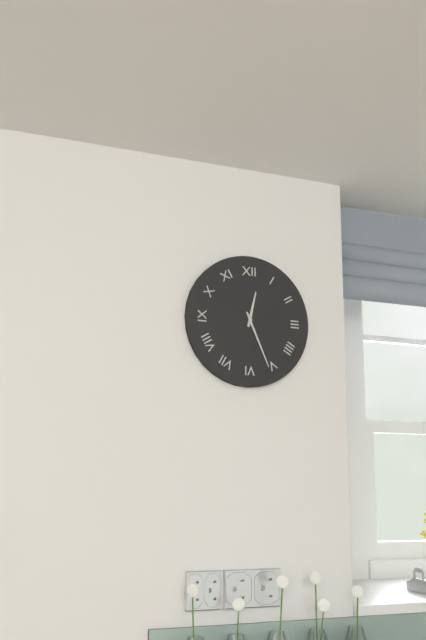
12:26
